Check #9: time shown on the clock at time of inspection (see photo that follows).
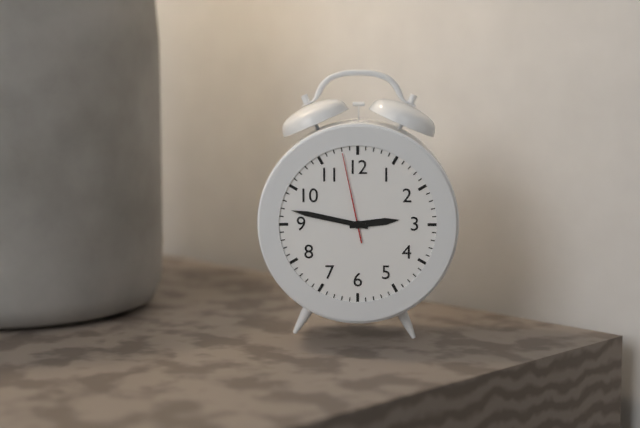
2:47:58
